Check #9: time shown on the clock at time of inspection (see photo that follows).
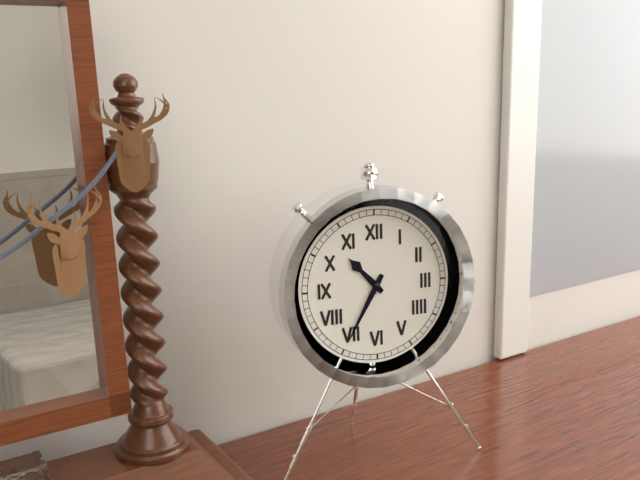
10:35
